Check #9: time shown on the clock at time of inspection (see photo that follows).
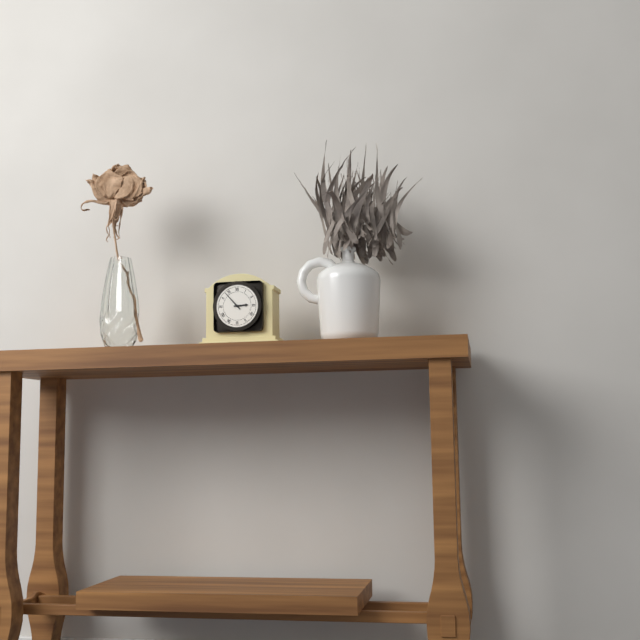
2:53
